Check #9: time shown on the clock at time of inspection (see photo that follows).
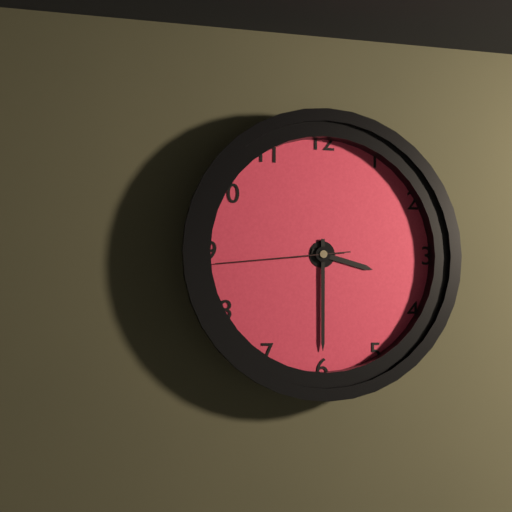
3:30:44
